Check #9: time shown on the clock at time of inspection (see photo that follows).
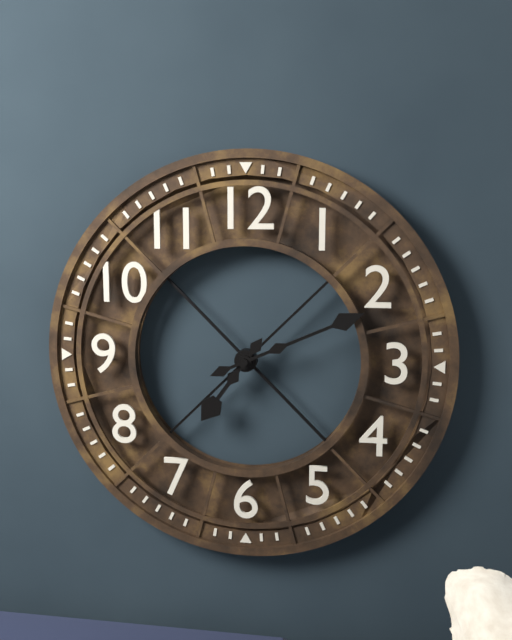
7:11
